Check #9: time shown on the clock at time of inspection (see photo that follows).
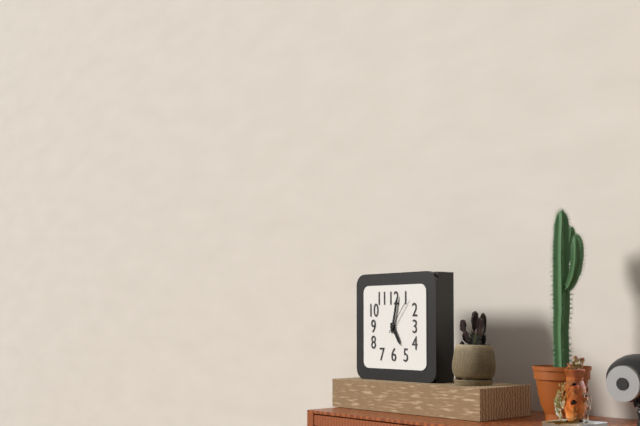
5:02
